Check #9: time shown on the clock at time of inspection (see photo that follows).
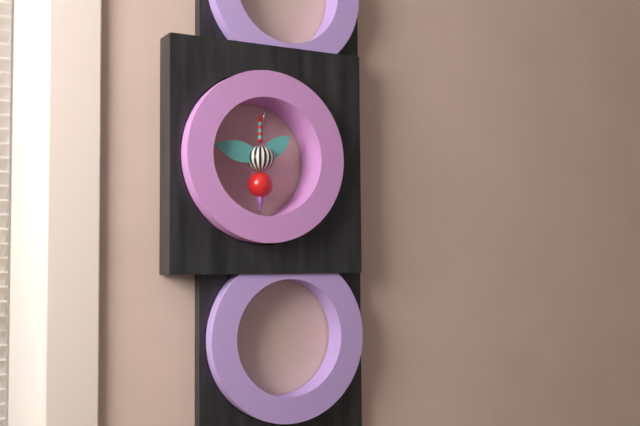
1:47
